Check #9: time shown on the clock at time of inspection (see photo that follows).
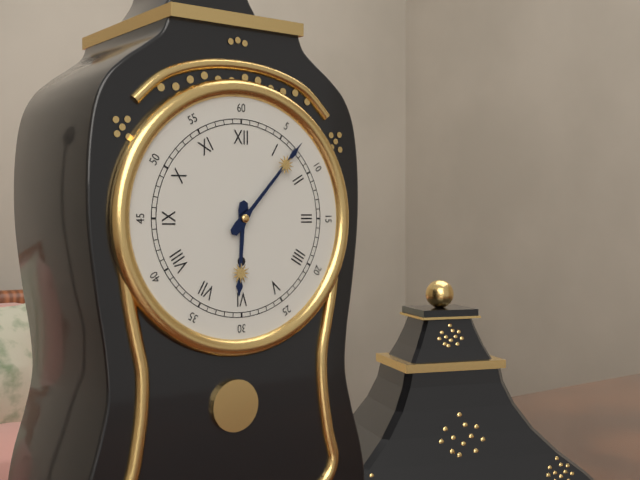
6:07
